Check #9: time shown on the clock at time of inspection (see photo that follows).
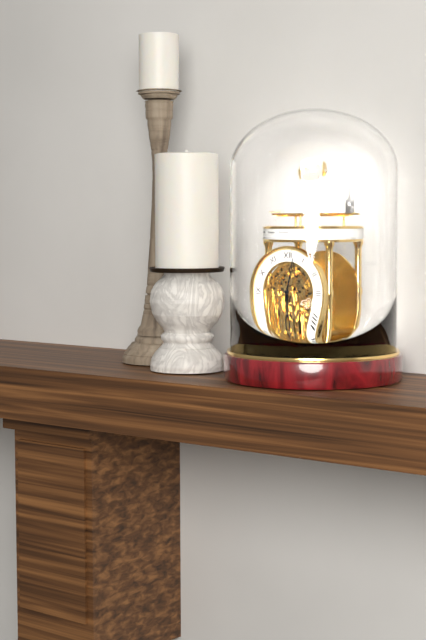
6:02
